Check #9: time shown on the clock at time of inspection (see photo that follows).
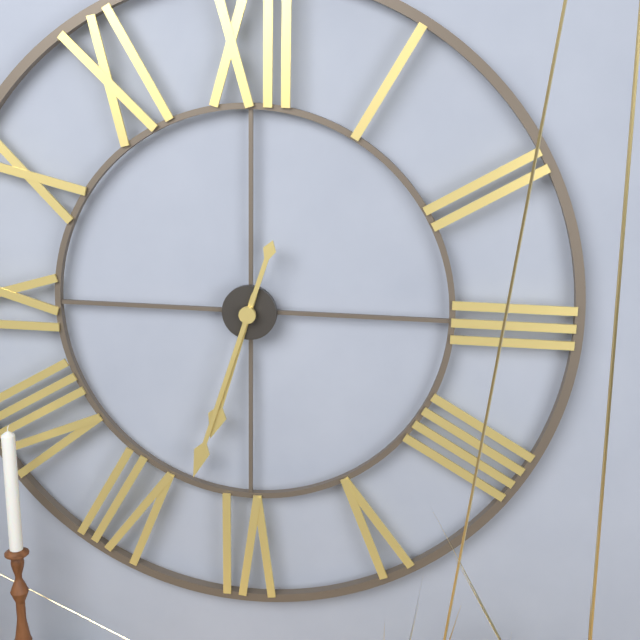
6:33
